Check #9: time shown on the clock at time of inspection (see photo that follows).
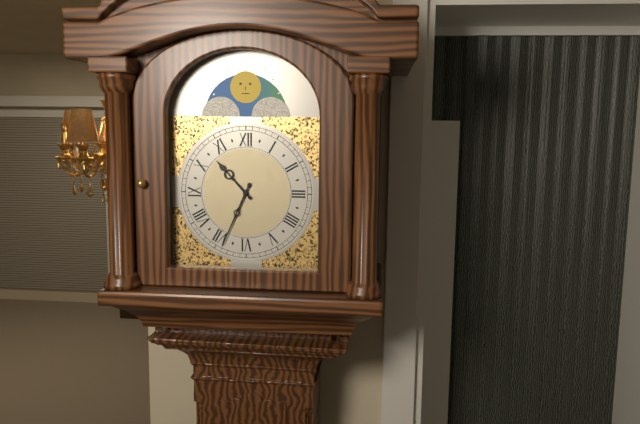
10:34
